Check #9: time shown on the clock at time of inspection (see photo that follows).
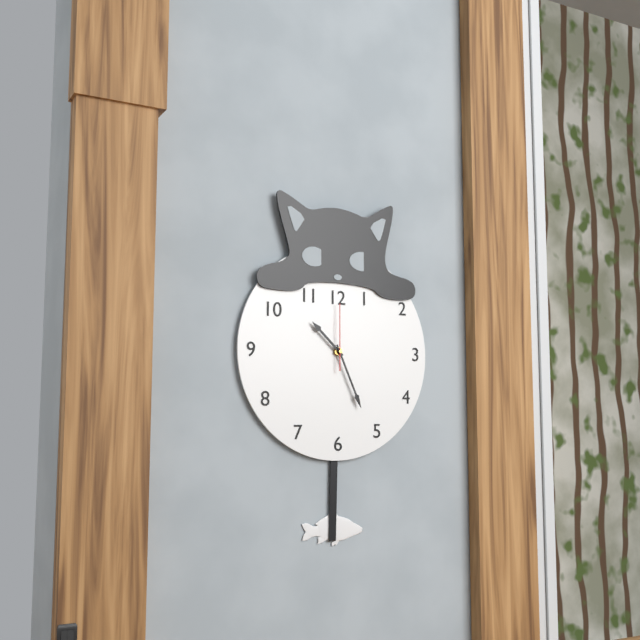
10:26:00
